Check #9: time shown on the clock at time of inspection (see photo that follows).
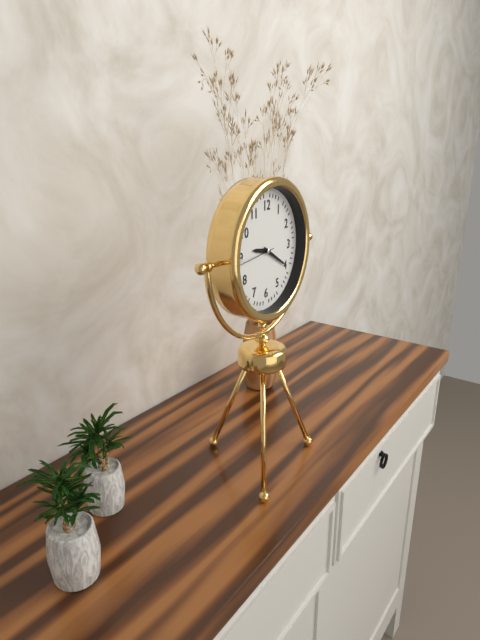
9:20
